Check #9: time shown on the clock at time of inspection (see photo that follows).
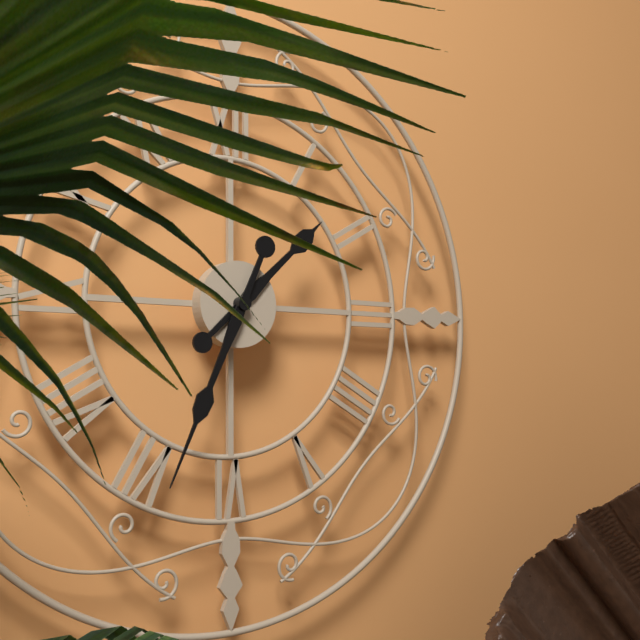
1:34
